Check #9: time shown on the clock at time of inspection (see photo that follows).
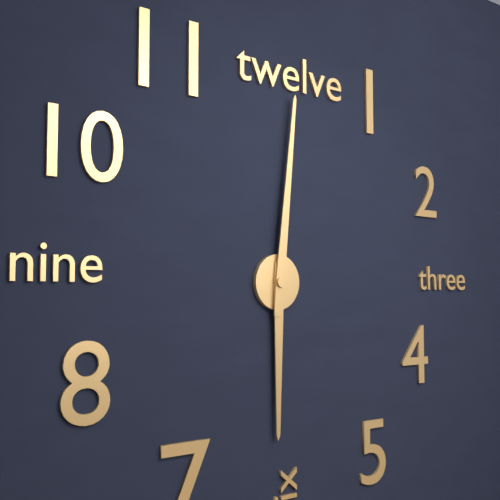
6:01
